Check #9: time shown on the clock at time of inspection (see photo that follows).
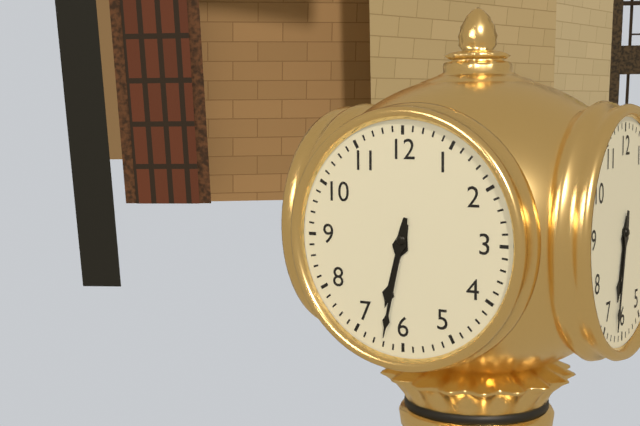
6:32
